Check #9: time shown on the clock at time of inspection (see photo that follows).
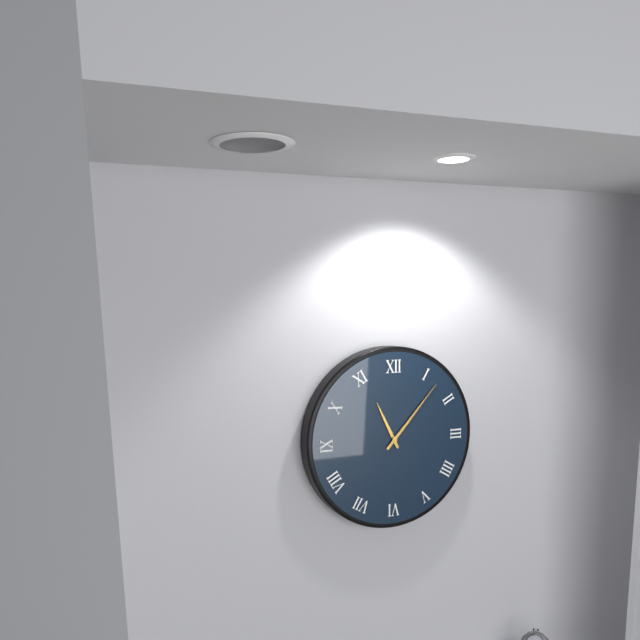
11:07
